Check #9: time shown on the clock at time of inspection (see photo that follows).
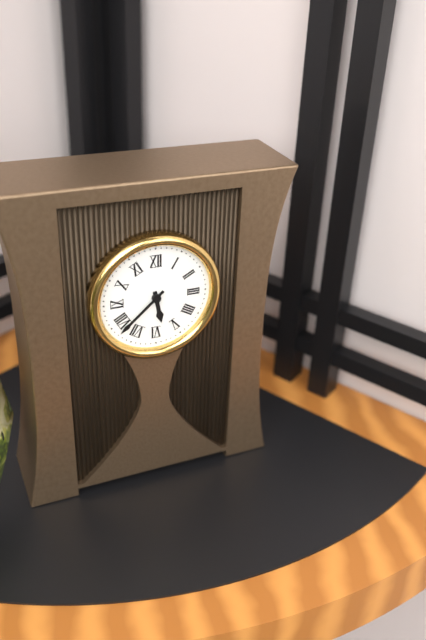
5:38
